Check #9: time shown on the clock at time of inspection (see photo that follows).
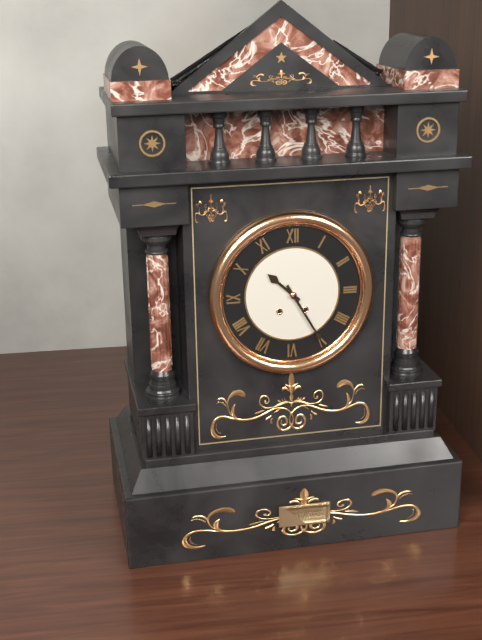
10:25
